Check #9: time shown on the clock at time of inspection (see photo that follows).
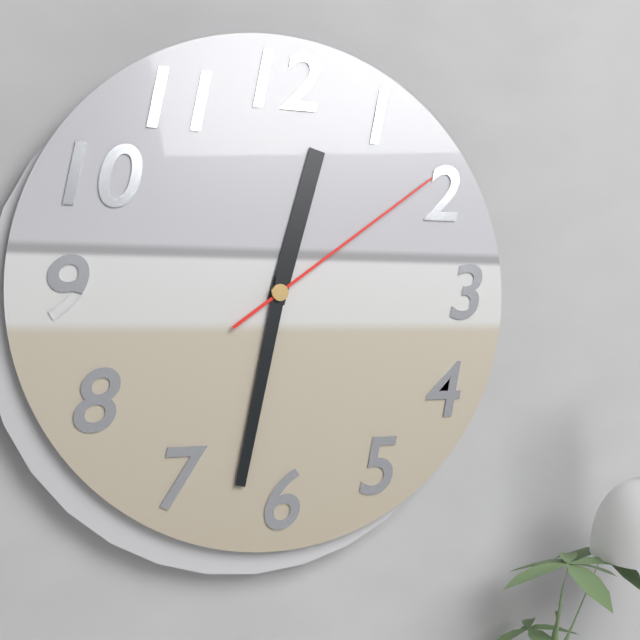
12:32:09
